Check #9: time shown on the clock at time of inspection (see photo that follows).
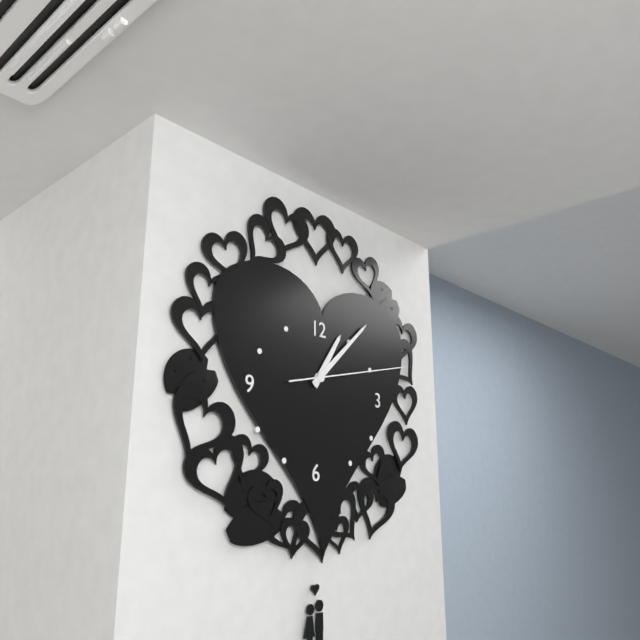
1:08:13
